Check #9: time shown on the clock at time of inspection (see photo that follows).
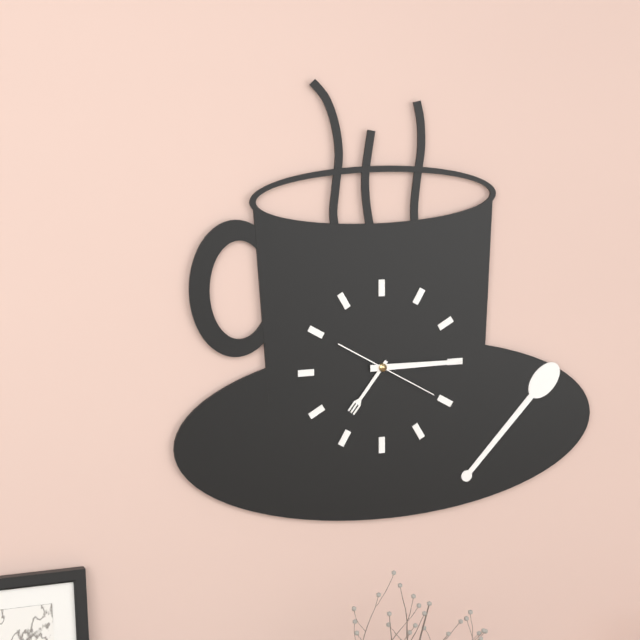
7:15:20
